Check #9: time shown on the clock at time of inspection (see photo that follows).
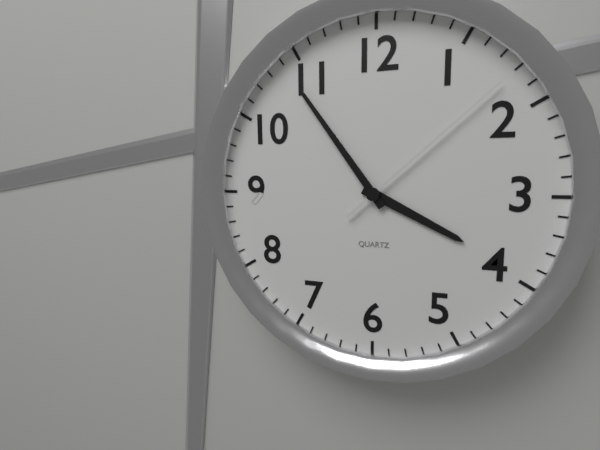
3:54:08
